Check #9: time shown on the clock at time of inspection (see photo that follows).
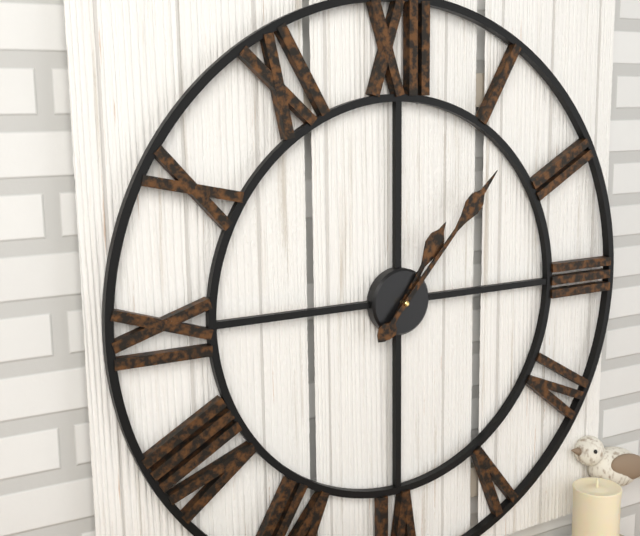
1:07
